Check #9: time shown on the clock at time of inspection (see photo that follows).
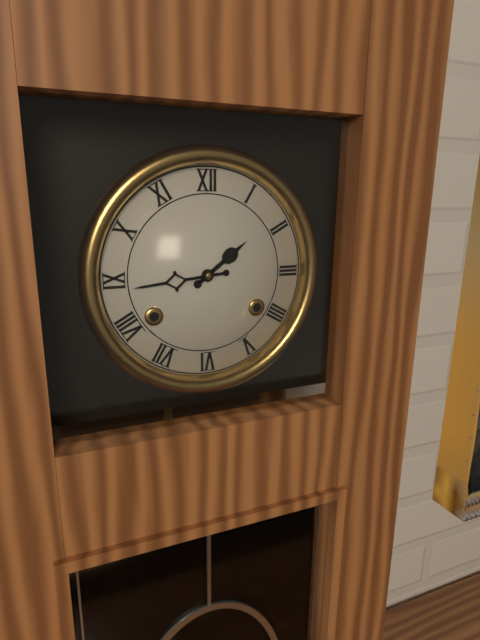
1:44
